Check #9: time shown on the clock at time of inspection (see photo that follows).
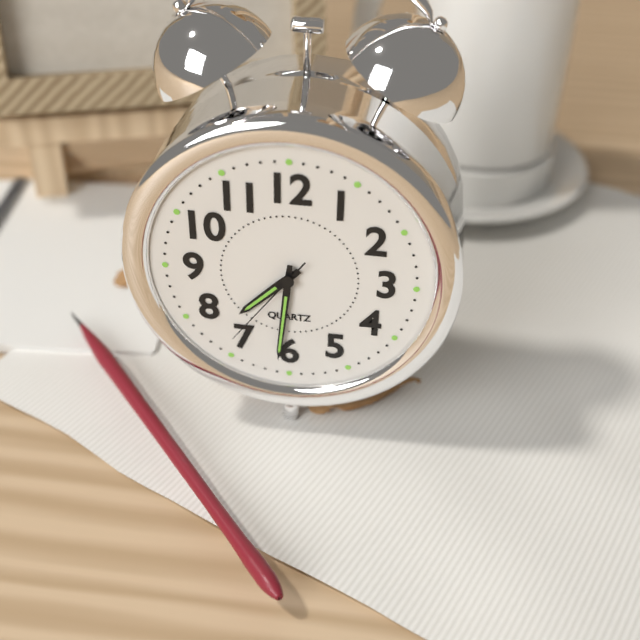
7:31:36
